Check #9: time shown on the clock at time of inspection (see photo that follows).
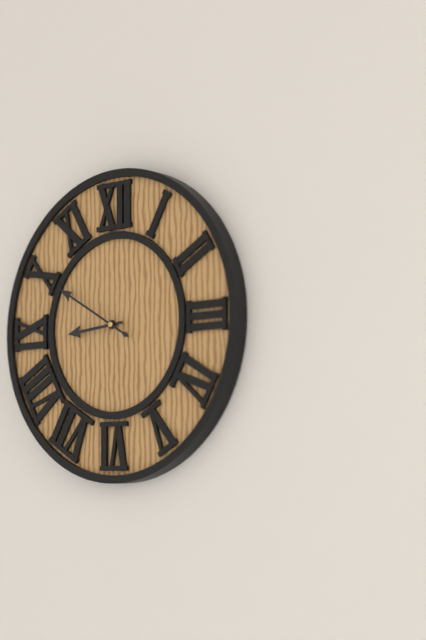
8:50
